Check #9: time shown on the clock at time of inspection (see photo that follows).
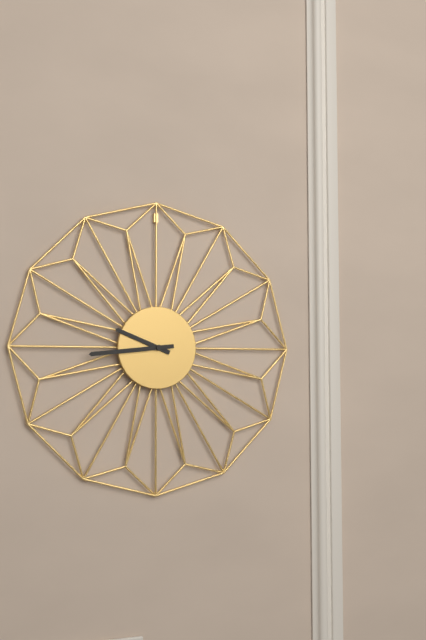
9:44
